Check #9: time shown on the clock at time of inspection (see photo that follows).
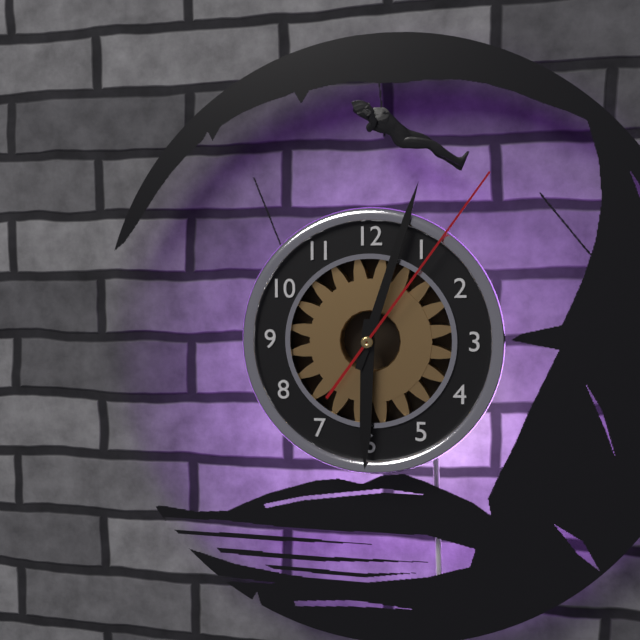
6:03:06
